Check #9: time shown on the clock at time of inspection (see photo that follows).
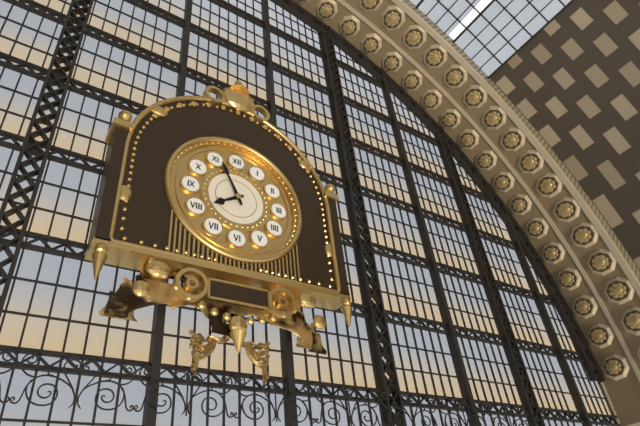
7:56
